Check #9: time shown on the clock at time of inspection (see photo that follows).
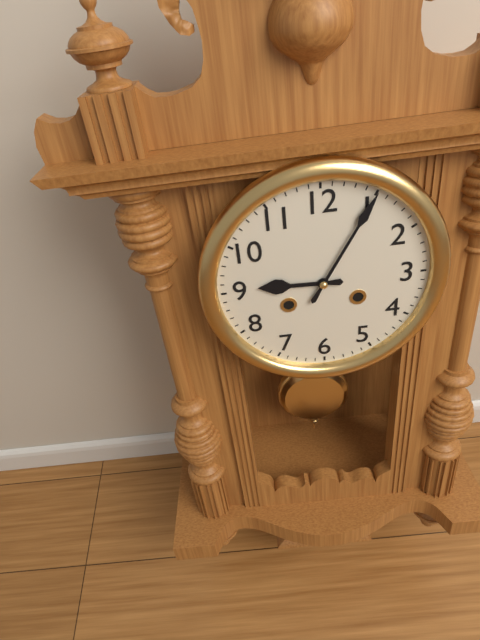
9:05
